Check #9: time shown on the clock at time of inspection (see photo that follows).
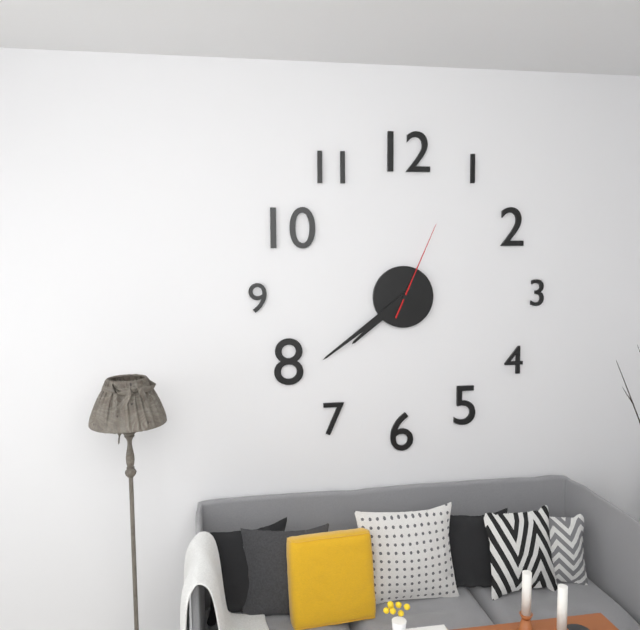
7:39:04
